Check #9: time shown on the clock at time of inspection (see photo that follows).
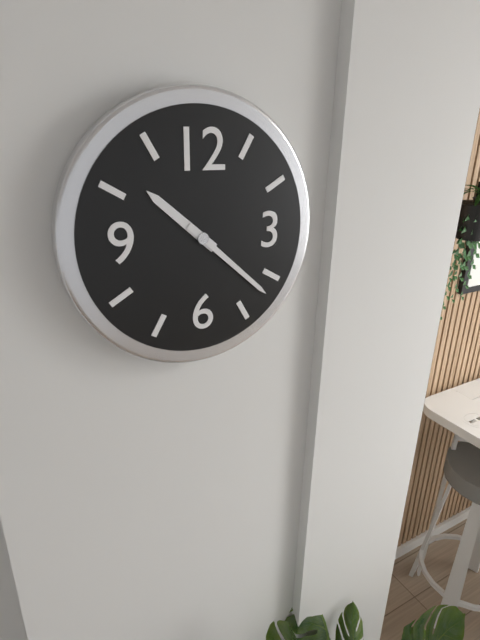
10:22
